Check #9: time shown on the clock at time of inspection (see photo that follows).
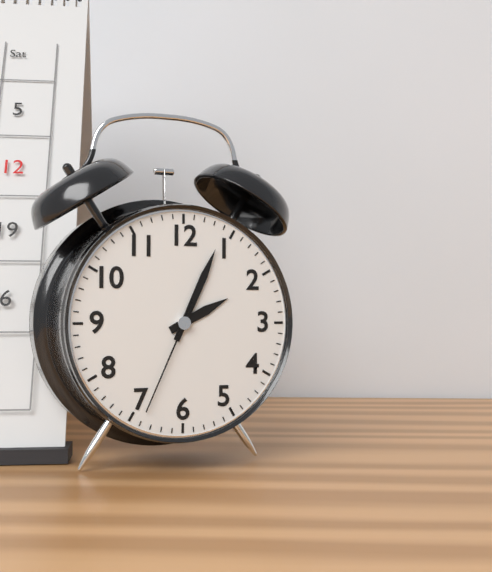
2:04:34
